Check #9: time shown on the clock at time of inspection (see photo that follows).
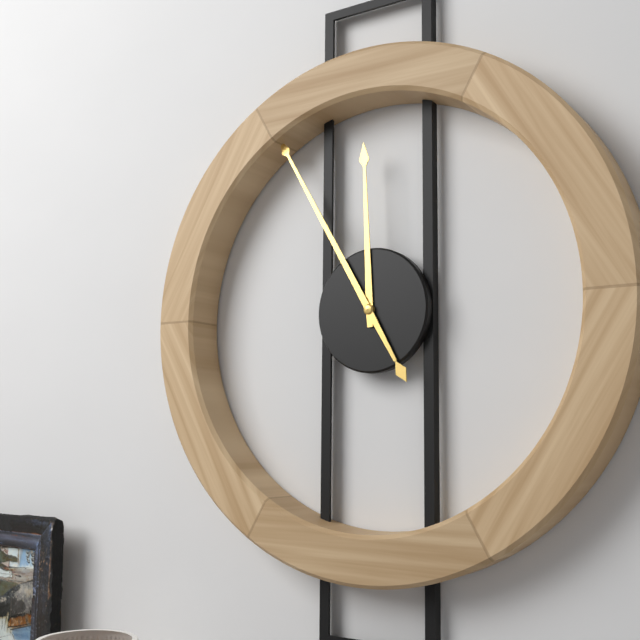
11:55
